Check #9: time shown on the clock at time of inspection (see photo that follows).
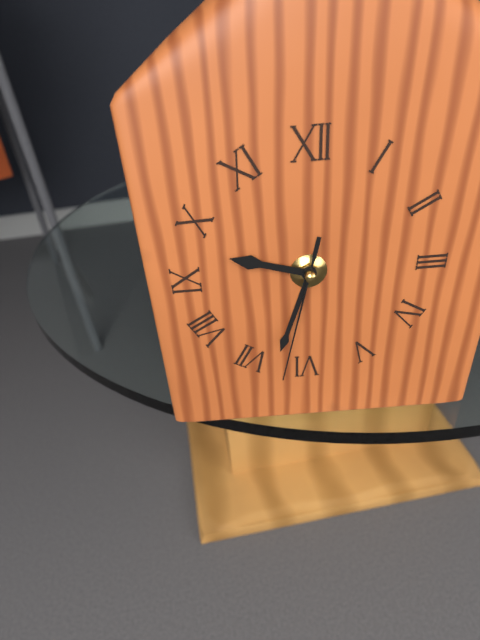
9:33:32
